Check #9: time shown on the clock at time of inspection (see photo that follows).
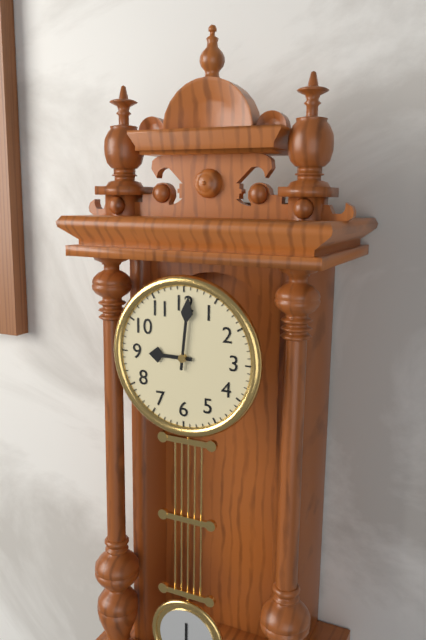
9:01
